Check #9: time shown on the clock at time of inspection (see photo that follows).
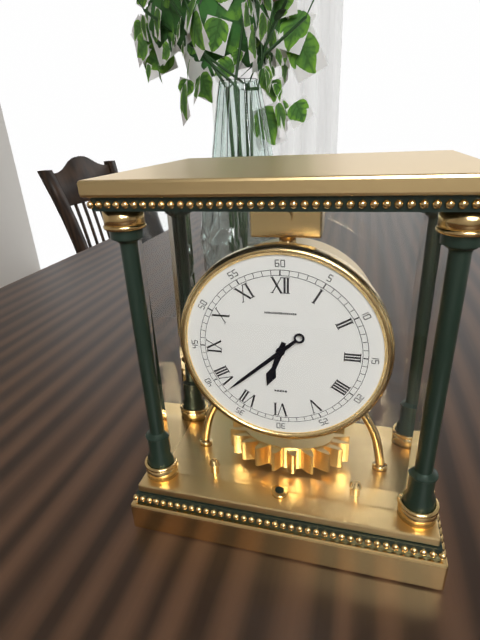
6:38
